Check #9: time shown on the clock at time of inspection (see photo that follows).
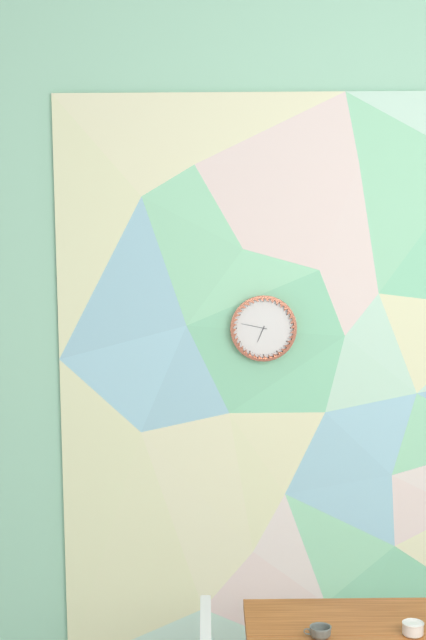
6:47
